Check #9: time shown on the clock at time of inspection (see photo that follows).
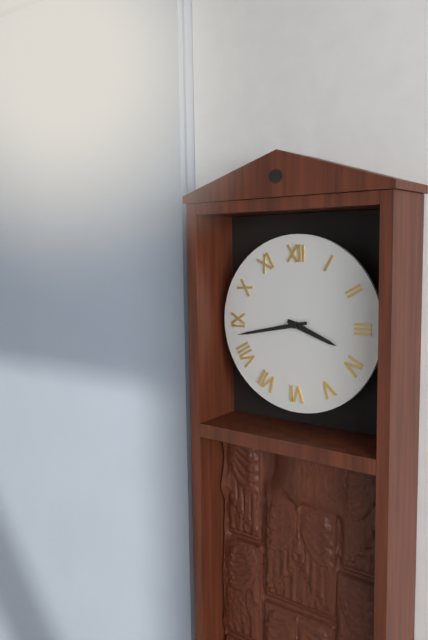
3:43
